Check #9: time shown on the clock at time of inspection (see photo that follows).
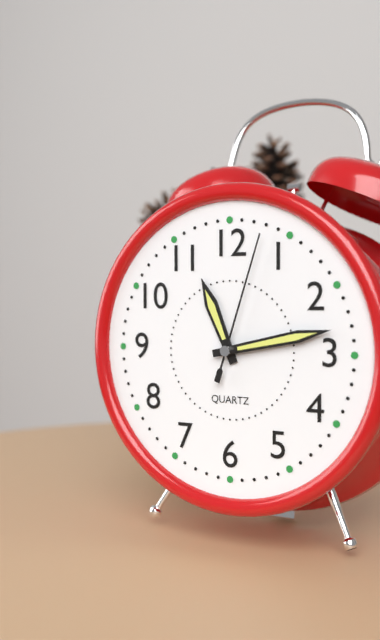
11:13:03
